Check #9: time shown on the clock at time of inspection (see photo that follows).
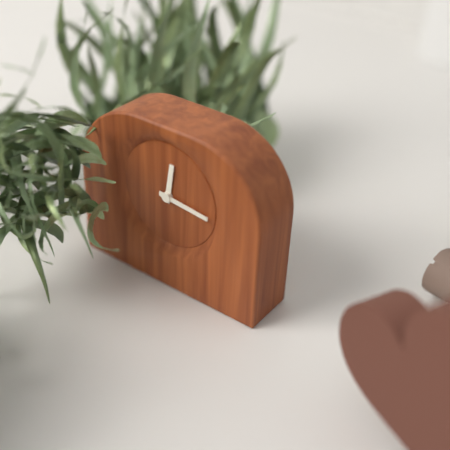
12:16
